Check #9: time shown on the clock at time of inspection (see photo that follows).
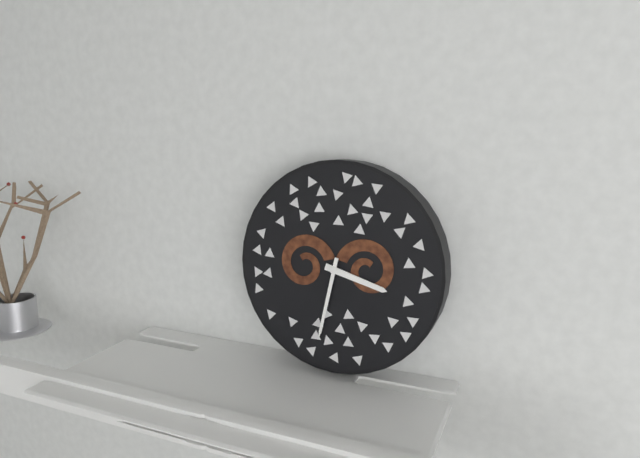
3:32
